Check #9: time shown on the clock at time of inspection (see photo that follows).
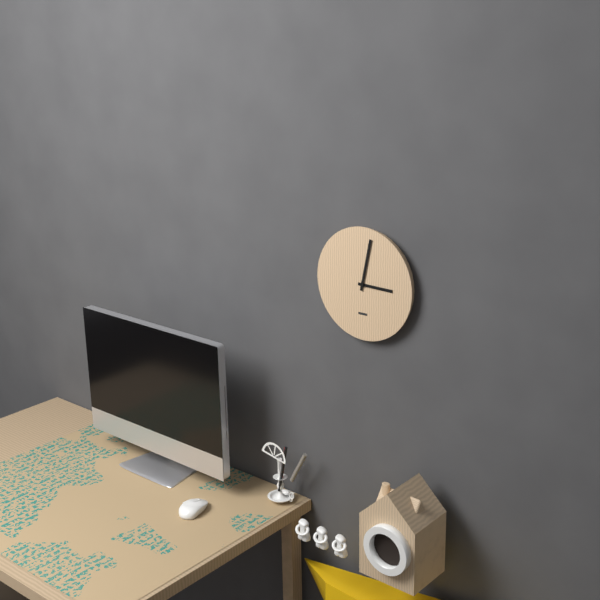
3:02
